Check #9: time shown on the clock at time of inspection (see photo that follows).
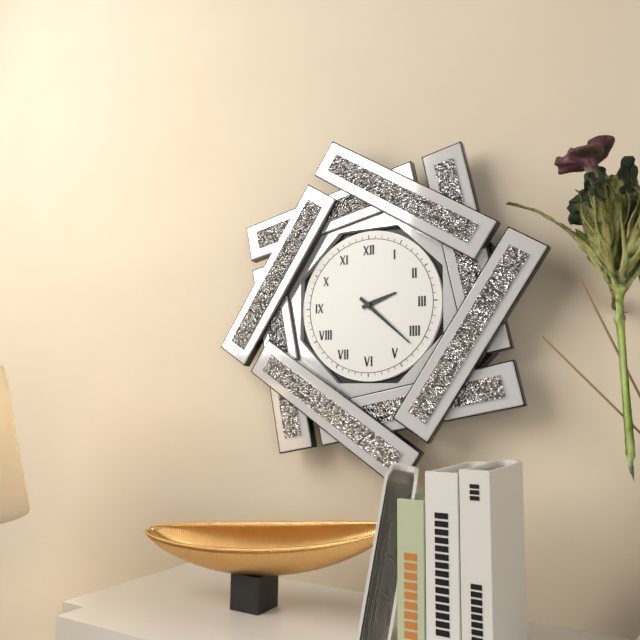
2:22
